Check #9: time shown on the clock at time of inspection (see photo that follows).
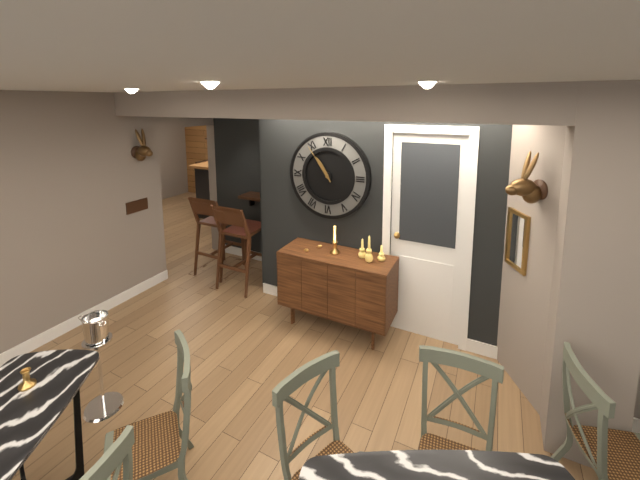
10:54
